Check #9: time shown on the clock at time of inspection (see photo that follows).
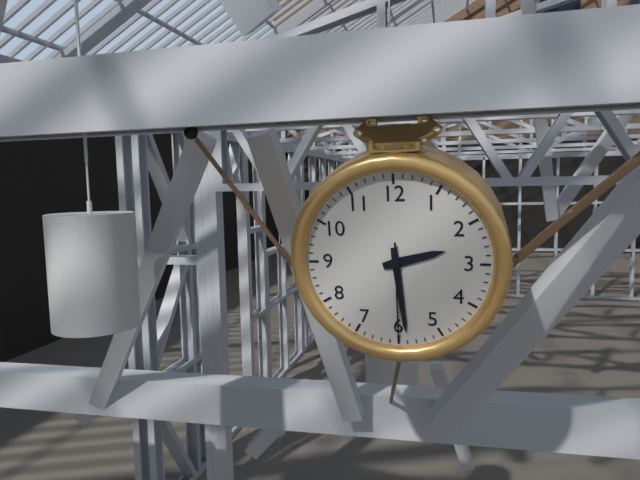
2:29:30
